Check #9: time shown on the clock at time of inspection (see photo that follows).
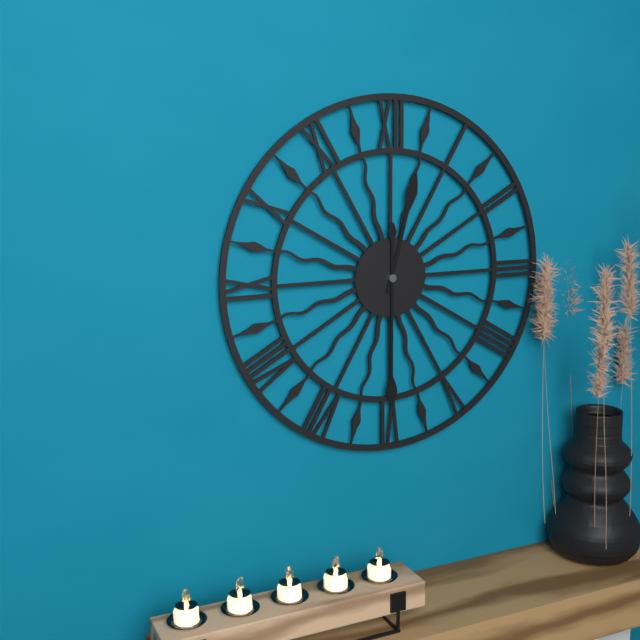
12:30
